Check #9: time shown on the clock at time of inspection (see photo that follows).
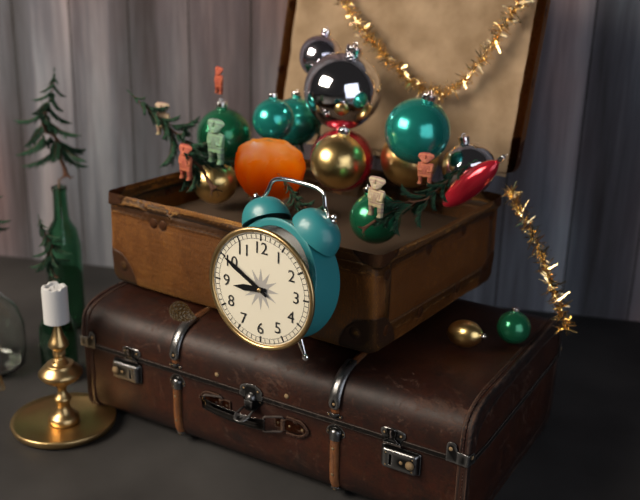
8:50
